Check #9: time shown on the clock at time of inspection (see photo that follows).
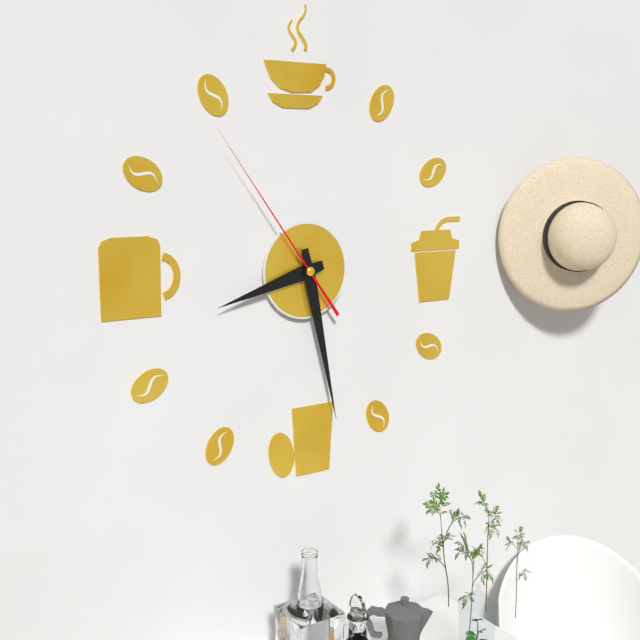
8:28:54
